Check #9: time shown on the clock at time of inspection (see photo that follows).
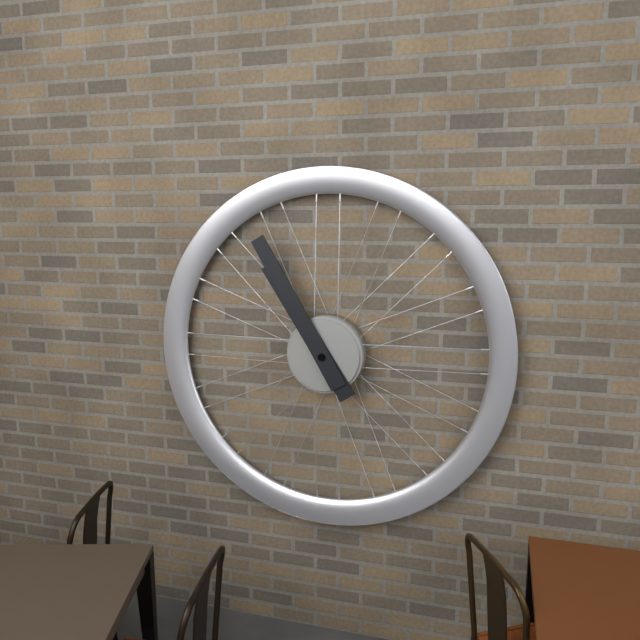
10:55
